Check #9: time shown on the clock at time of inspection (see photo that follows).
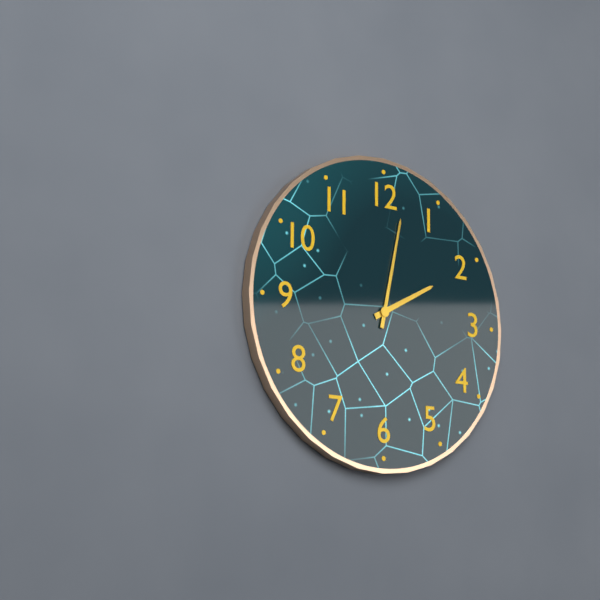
2:02
